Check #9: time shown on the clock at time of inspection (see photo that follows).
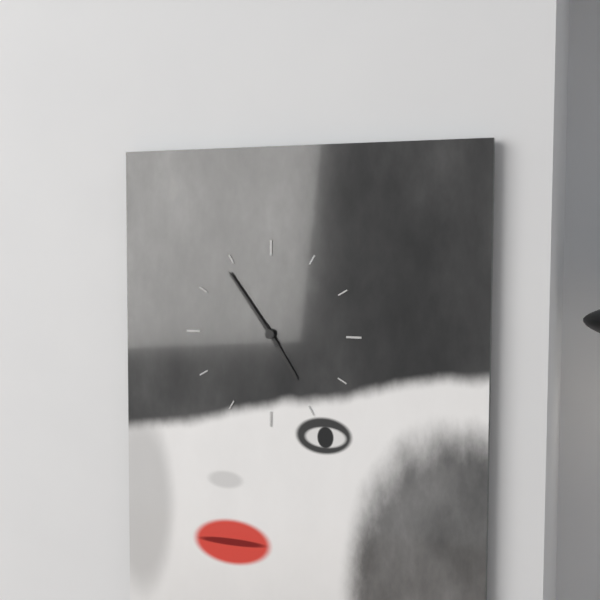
4:54
